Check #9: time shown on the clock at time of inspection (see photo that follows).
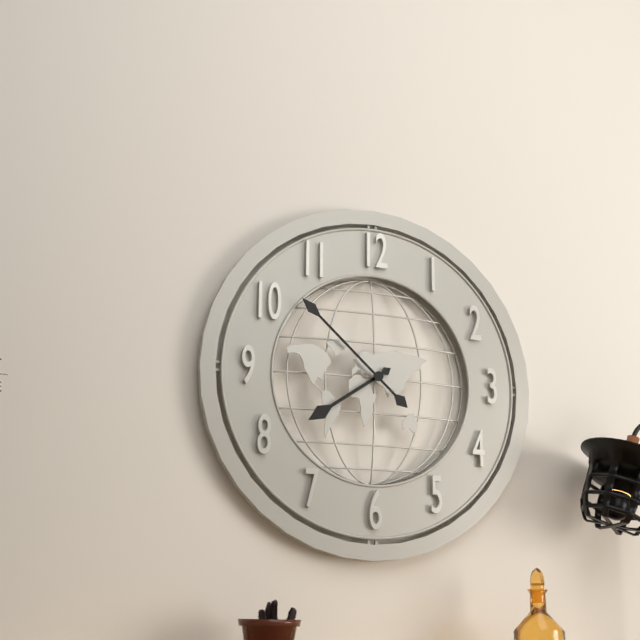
7:52
